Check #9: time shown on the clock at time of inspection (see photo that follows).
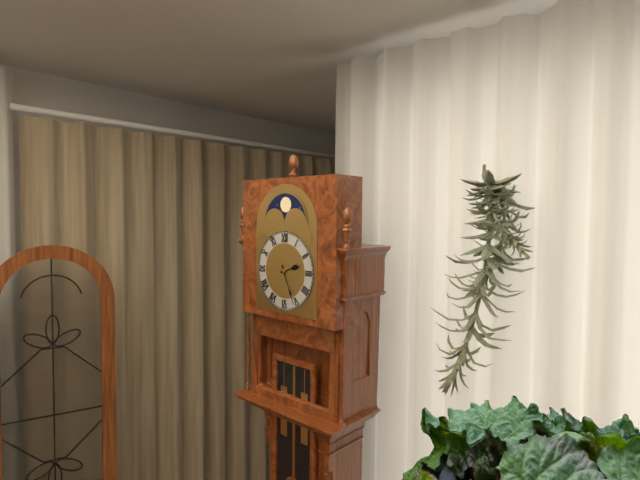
2:26
